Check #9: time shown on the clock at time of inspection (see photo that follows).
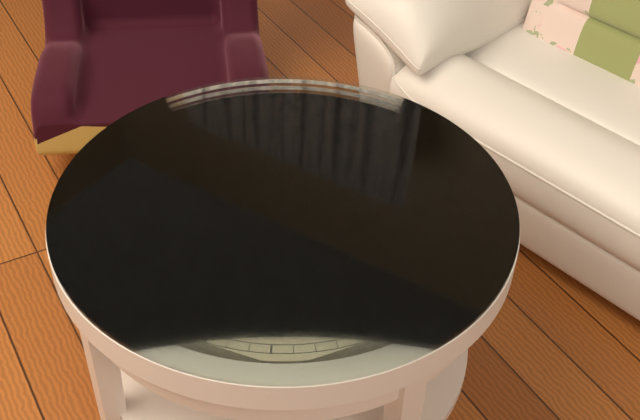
7:58
